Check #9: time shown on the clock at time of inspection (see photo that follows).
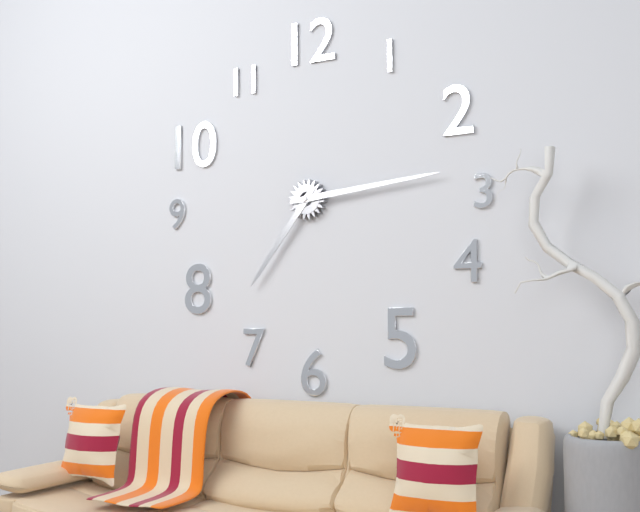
7:14
